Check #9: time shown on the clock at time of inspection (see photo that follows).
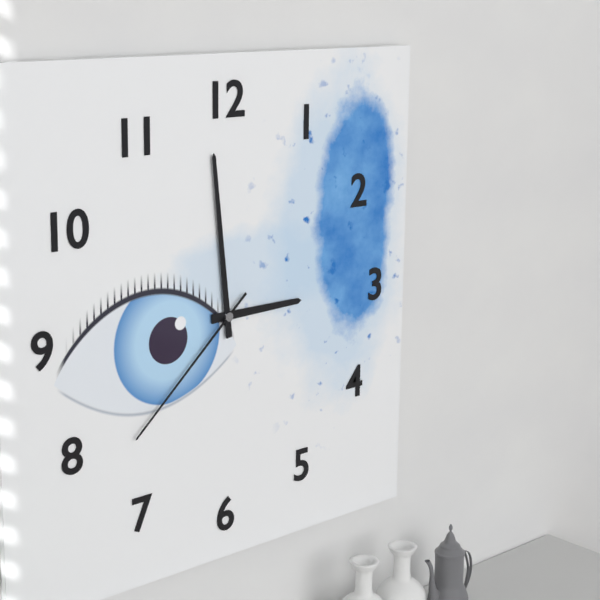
2:59:38
